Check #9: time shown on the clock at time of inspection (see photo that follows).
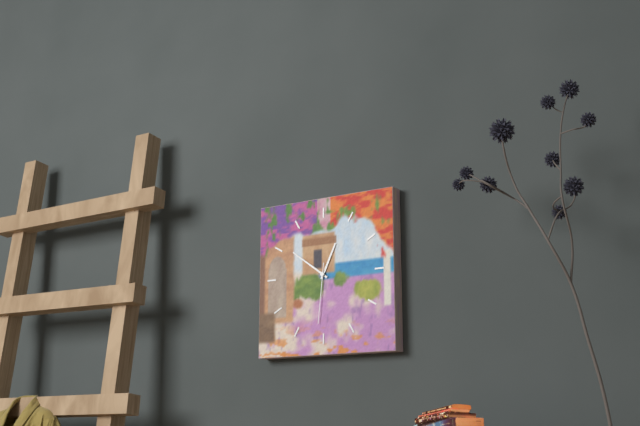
12:51:31
